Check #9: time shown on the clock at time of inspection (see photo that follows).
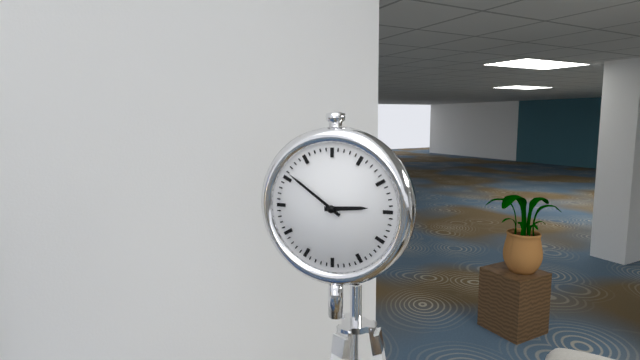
2:51
